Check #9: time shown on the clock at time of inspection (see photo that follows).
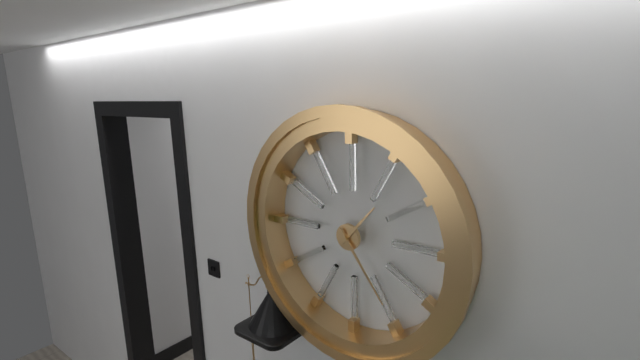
1:24
